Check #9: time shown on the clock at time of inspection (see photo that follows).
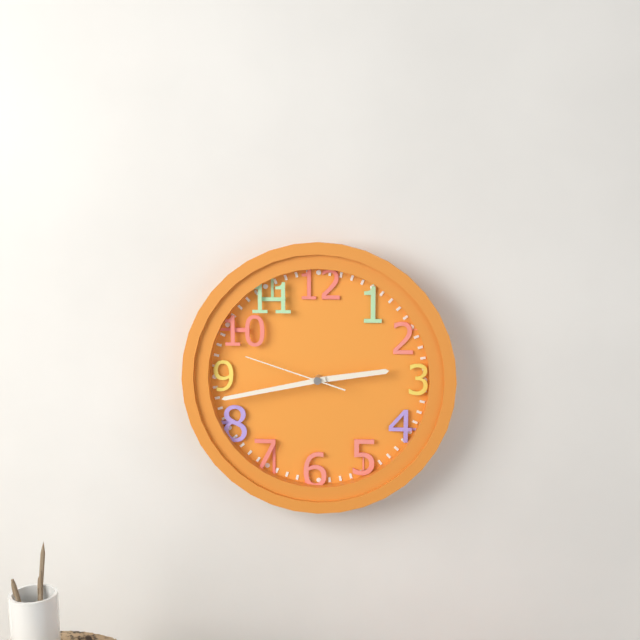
2:43:48
